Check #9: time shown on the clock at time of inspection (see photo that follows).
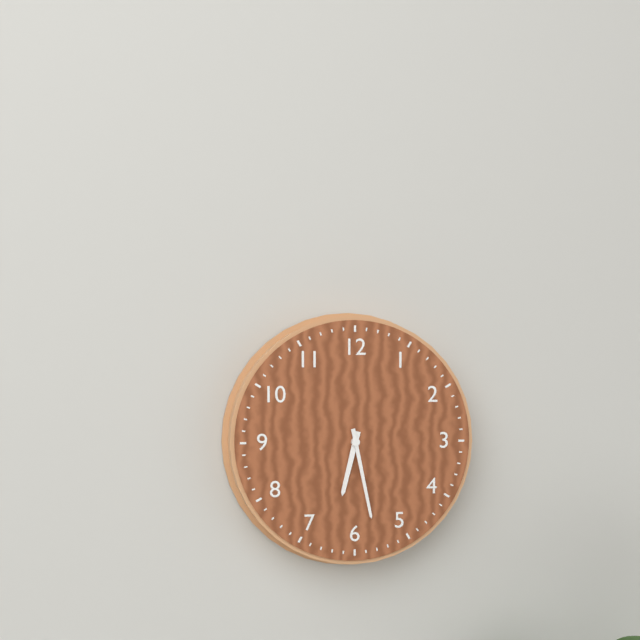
6:28
